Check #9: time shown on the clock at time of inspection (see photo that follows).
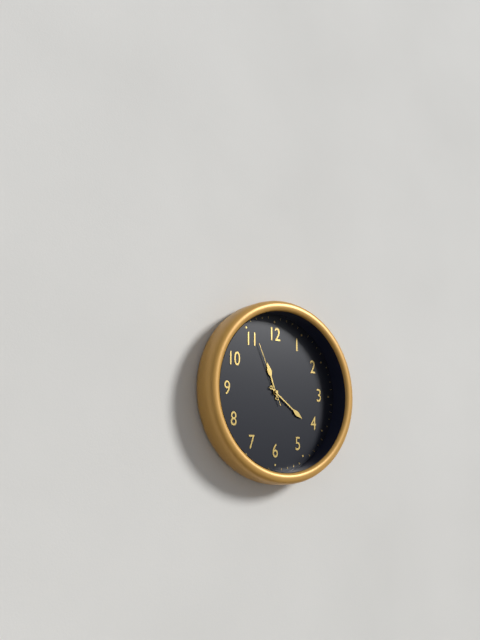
11:21:56
